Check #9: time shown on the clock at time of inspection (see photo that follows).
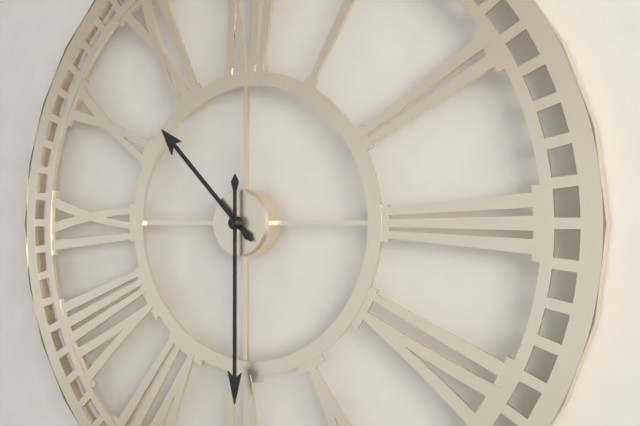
10:30
